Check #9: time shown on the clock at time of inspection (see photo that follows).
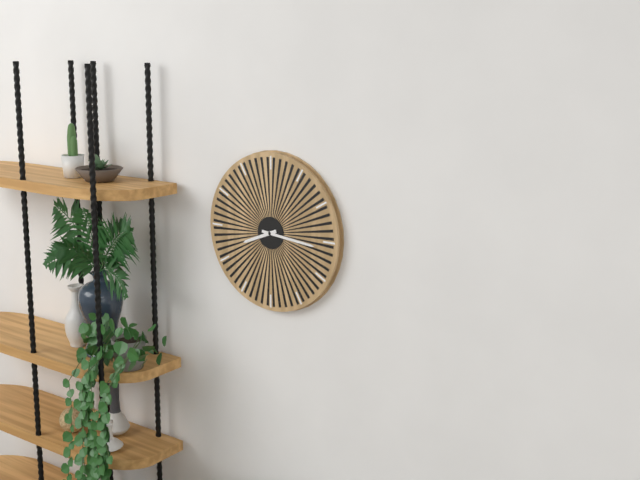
8:16
